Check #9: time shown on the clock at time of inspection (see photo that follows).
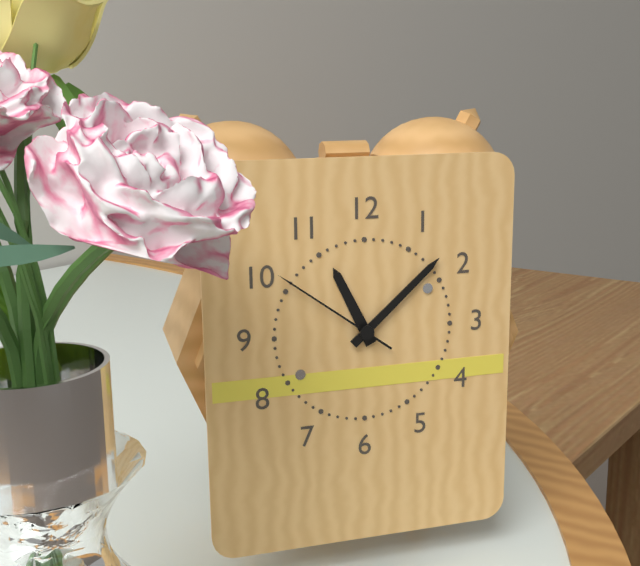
11:08:51
